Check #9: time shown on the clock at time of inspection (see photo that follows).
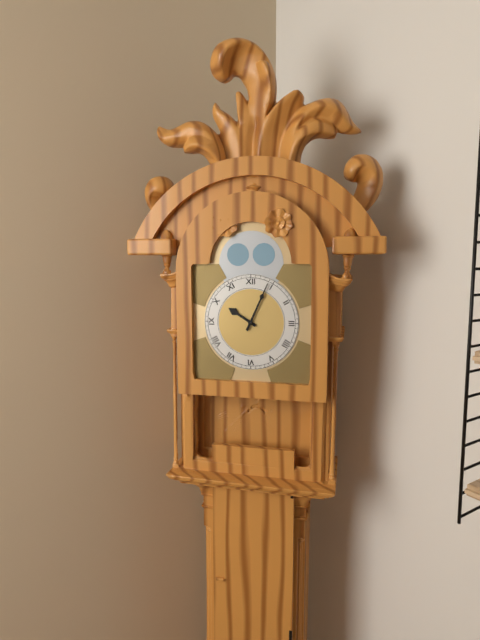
10:04
